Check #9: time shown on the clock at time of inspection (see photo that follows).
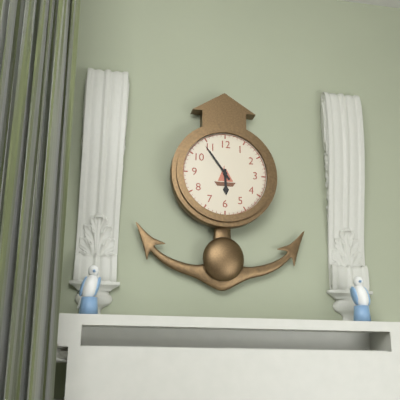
5:54
